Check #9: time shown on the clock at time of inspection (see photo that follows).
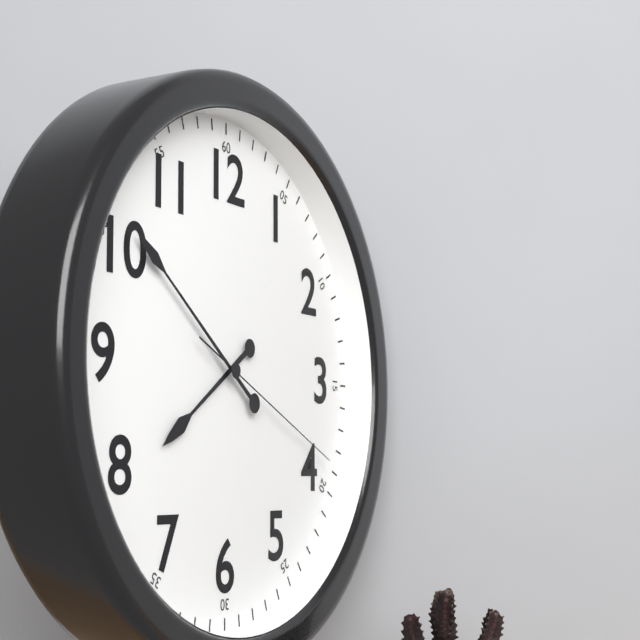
7:51:19
